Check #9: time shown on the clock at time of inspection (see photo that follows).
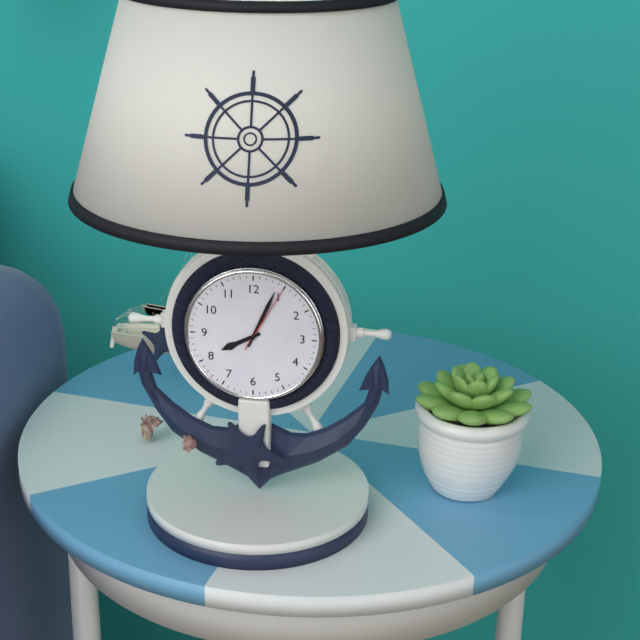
8:04:05
